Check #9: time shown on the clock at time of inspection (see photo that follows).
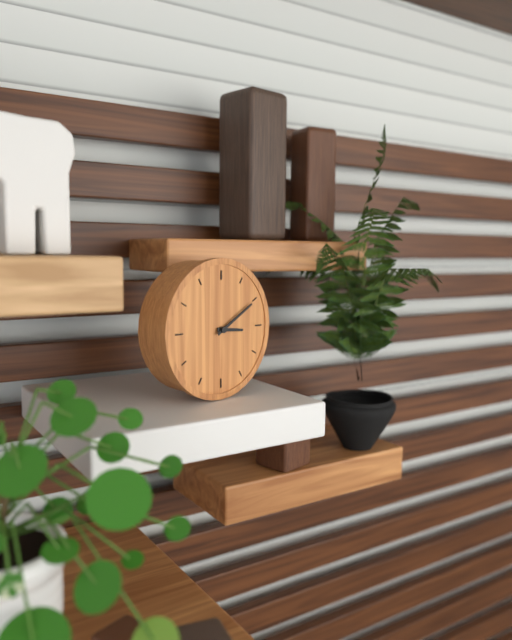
3:10
